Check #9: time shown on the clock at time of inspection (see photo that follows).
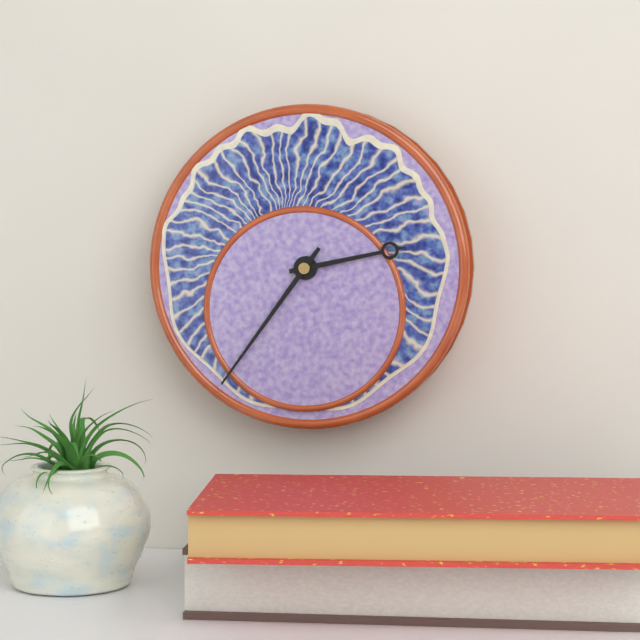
2:36
